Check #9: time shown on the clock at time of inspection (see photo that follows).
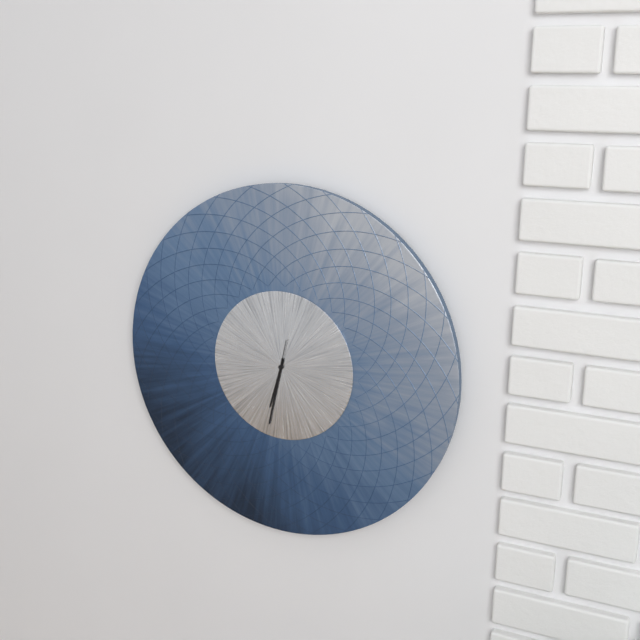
6:32
